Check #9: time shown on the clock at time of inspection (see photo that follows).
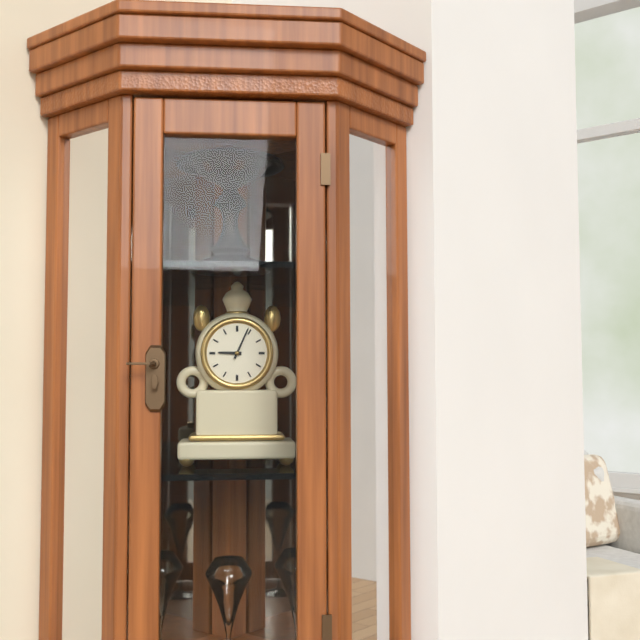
9:04
